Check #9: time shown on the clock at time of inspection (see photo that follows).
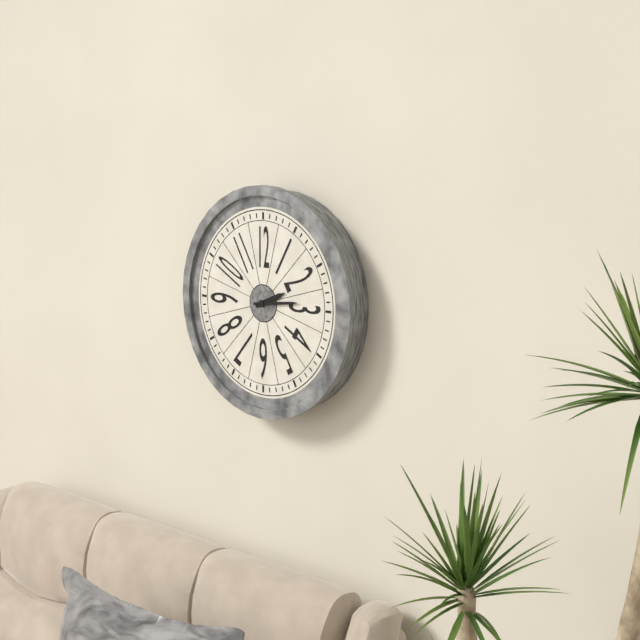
2:14
